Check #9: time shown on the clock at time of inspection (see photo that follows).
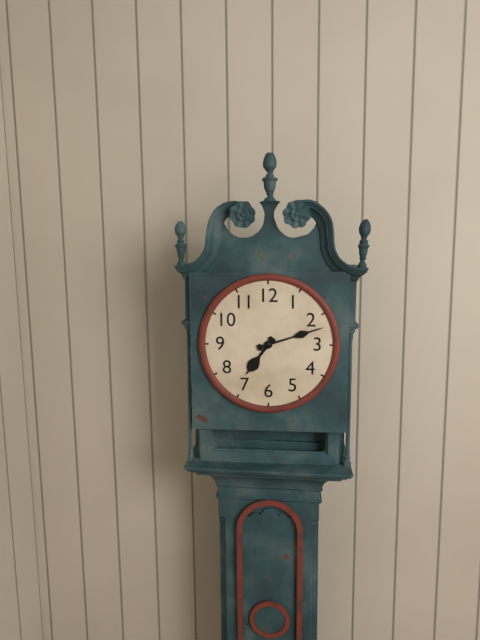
7:12
